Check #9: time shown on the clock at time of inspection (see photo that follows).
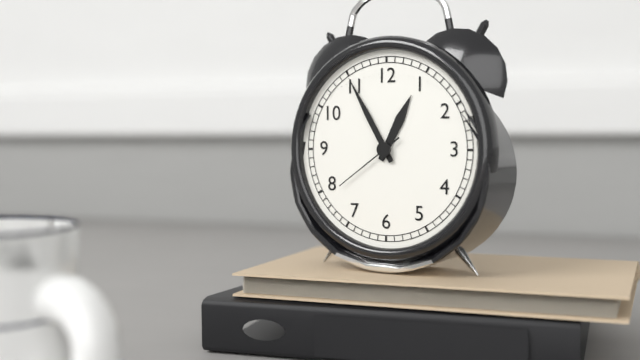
12:55:39
